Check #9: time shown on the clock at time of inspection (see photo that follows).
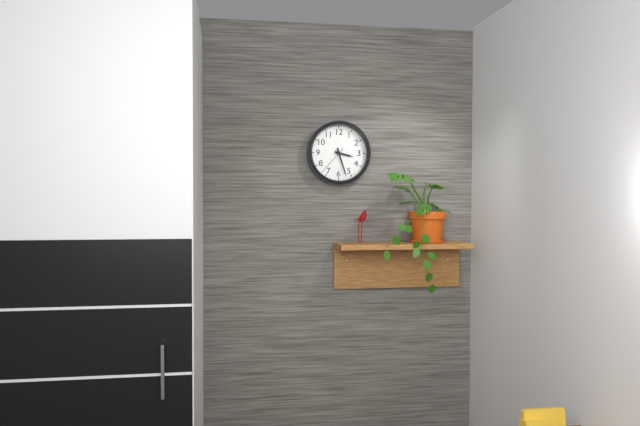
3:27
